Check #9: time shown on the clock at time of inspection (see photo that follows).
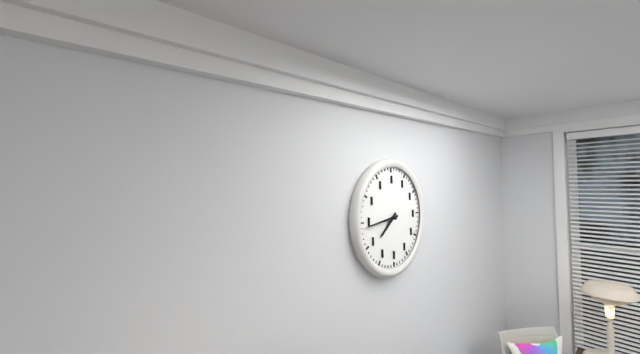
7:44
